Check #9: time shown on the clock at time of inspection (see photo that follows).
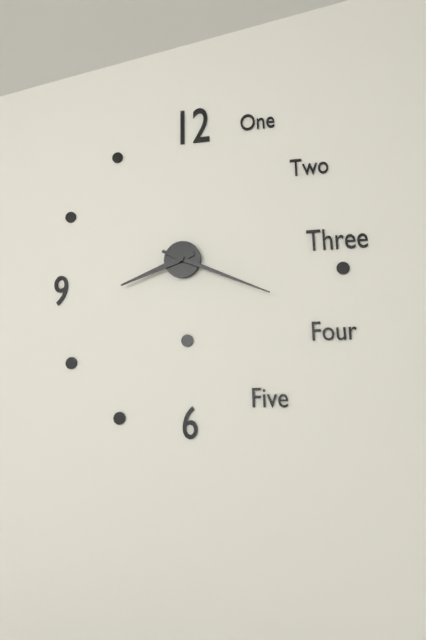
8:19
